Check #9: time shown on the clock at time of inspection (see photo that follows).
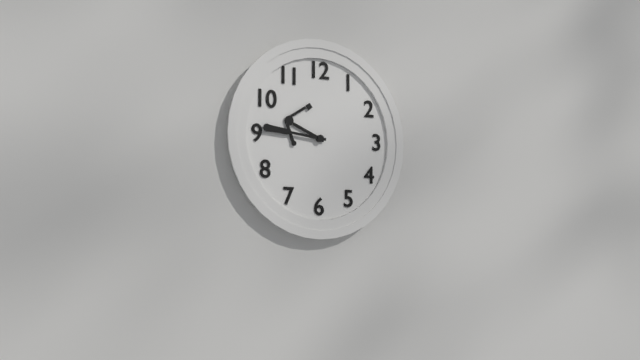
9:46
